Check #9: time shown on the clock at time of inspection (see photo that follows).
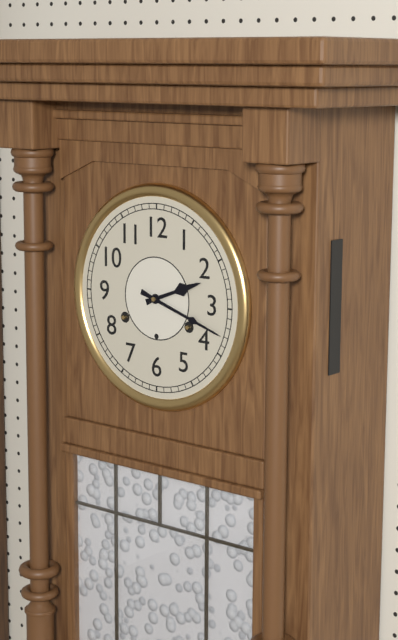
2:18
